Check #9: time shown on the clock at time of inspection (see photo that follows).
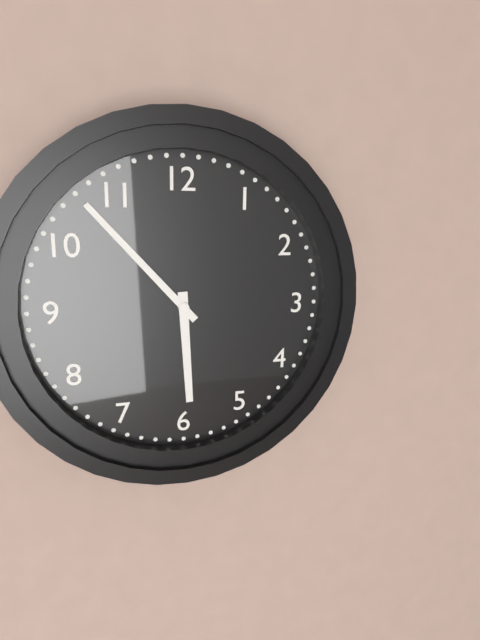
5:53
